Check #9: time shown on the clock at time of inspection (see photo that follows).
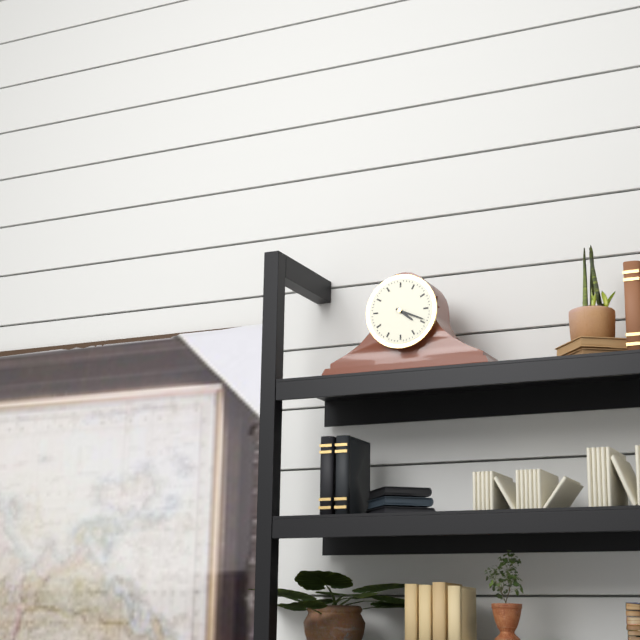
4:19
